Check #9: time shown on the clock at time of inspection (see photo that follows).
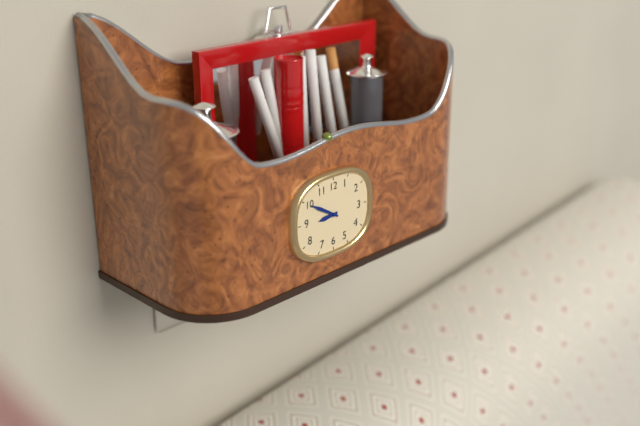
8:50
